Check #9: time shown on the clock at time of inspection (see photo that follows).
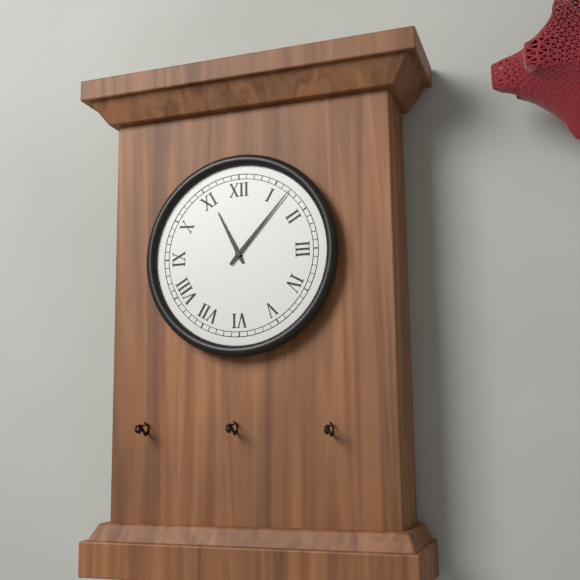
11:07
